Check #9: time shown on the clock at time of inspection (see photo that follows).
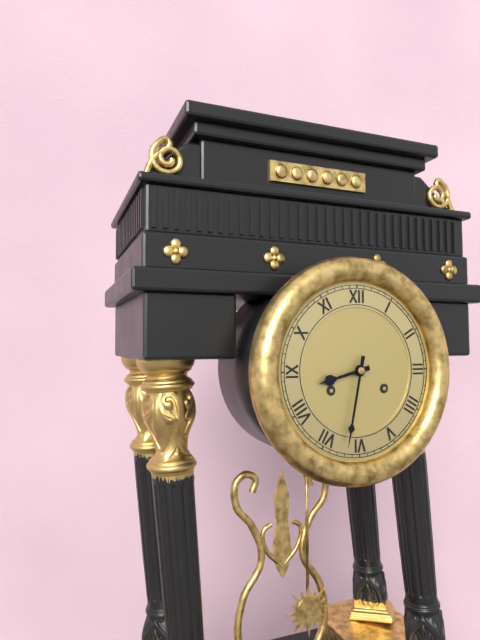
8:32
